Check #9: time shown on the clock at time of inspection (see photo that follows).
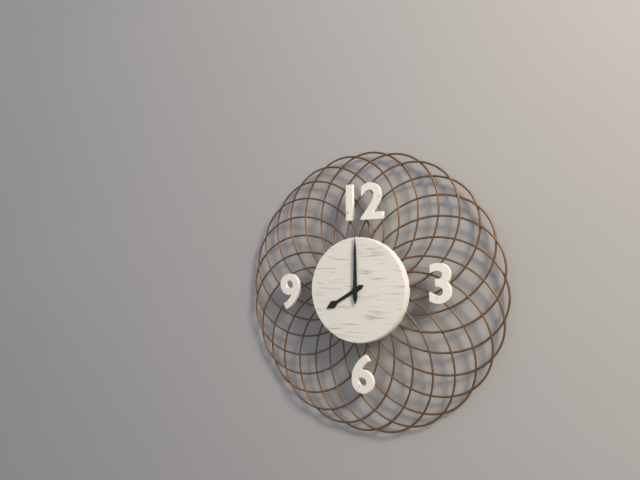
8:00
